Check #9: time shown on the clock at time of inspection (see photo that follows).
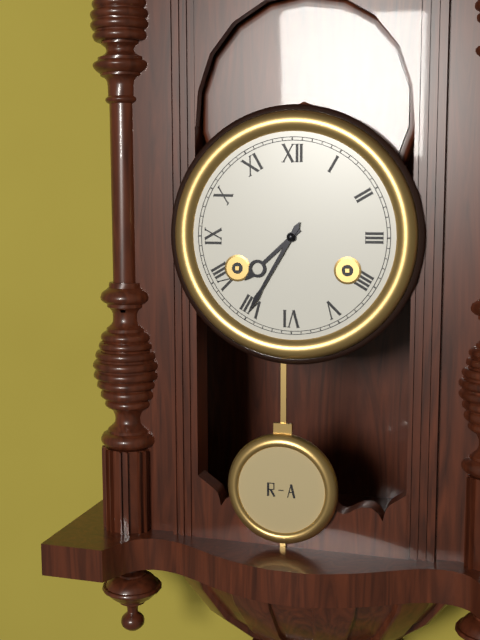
7:35
